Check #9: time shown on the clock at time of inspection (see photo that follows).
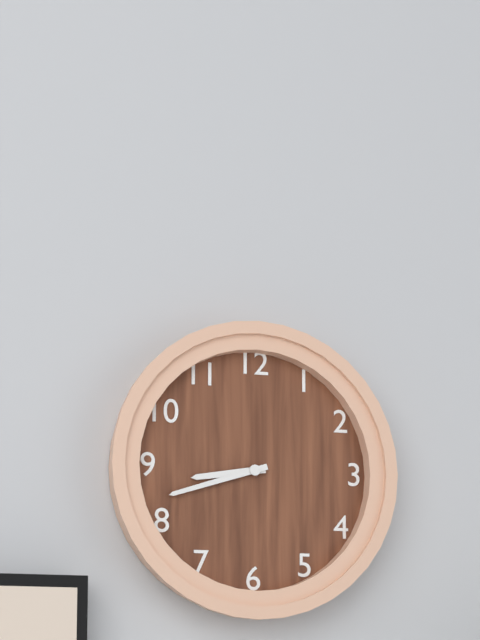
8:42
